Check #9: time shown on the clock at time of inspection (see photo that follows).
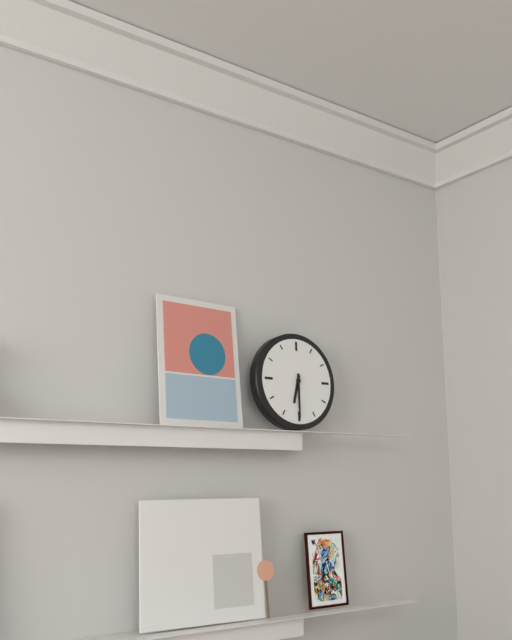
6:30
